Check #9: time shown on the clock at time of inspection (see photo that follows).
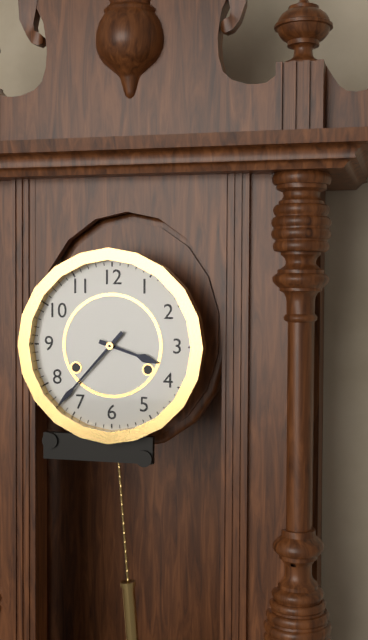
3:37
